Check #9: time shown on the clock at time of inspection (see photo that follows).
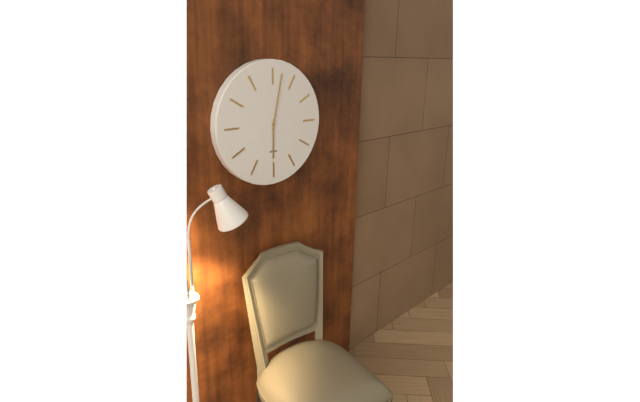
6:02
